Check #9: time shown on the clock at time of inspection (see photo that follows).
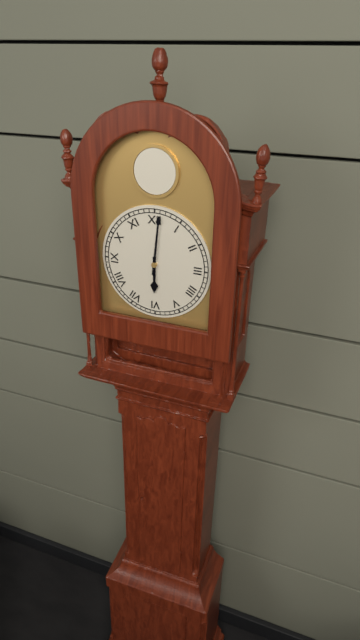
6:01
